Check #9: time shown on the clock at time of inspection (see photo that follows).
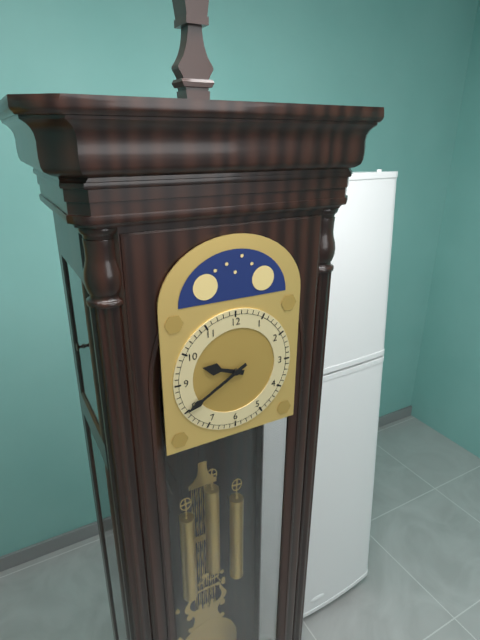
9:40
